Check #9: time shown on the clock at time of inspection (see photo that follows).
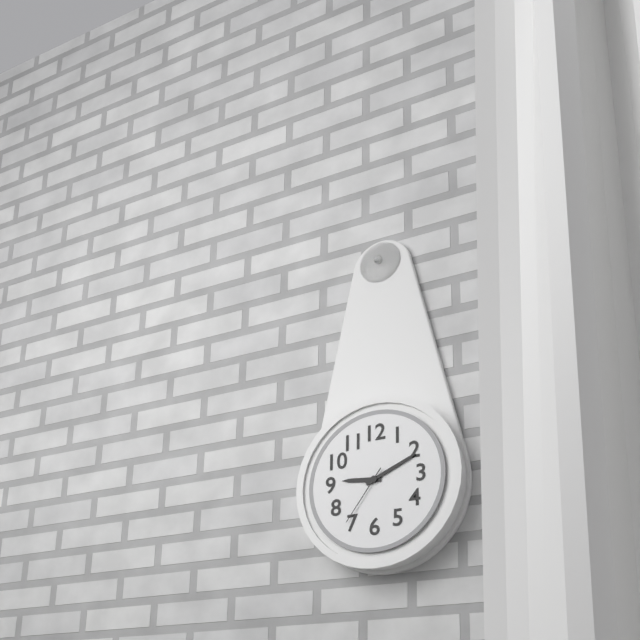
9:11:36
